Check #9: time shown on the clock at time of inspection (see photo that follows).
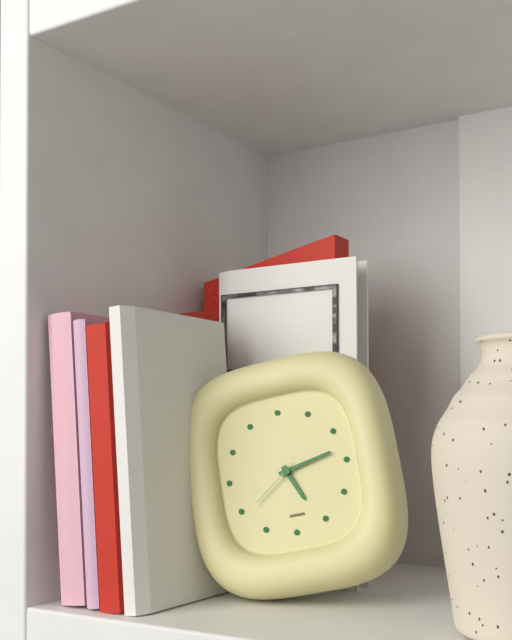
5:13:39
